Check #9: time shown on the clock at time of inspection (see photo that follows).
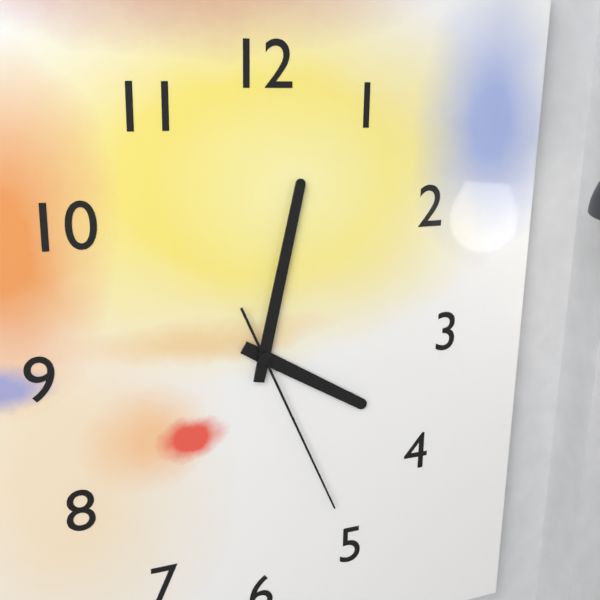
4:02:26
